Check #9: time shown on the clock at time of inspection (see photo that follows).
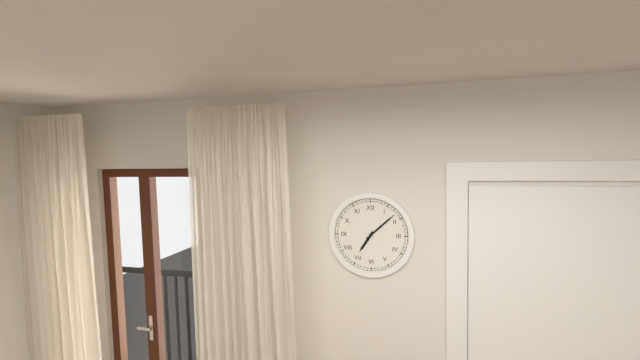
7:08
